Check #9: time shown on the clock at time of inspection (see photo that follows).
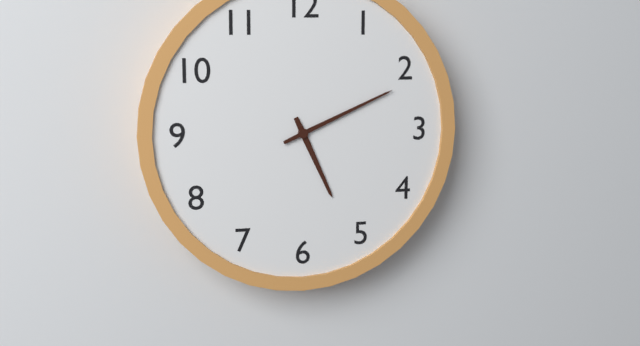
5:11
